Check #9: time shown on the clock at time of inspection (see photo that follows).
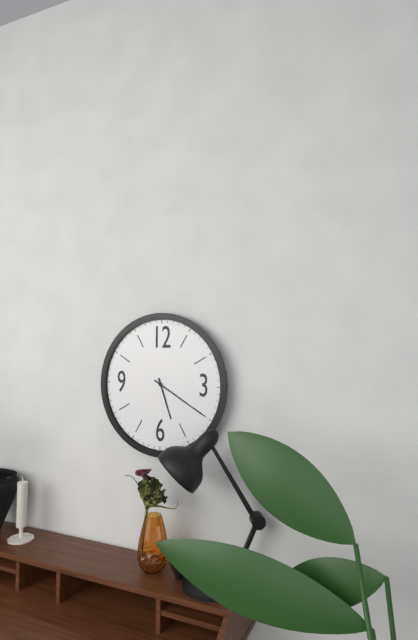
5:20
